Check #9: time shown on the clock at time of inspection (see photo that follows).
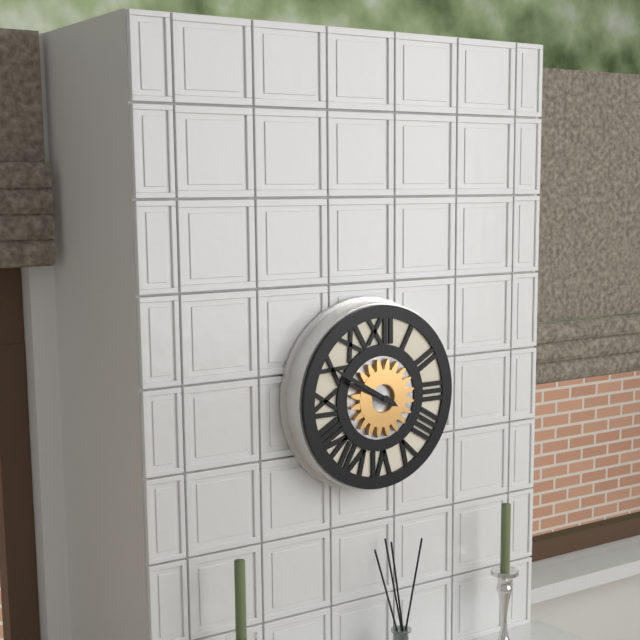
9:50
